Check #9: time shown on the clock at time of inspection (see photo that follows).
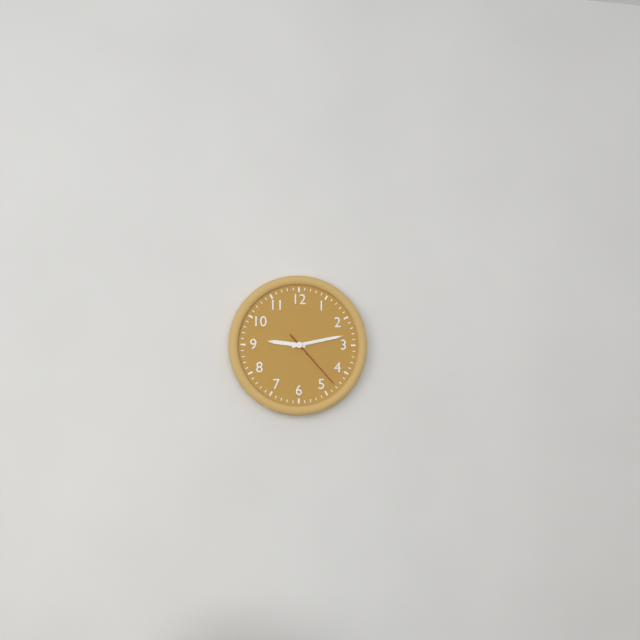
9:13:23
